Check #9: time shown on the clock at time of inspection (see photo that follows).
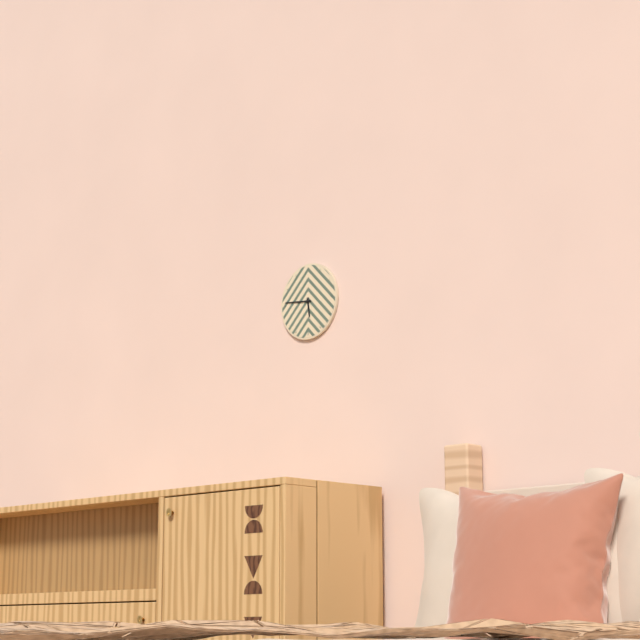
5:46
